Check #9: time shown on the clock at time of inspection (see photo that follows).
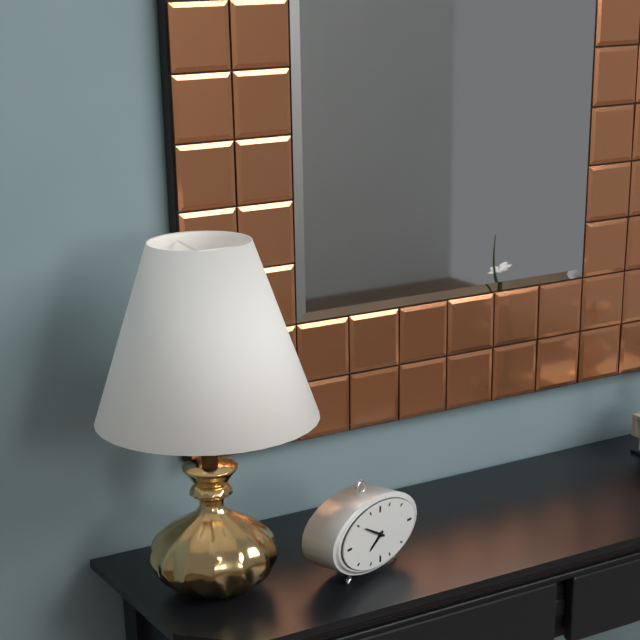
7:50
